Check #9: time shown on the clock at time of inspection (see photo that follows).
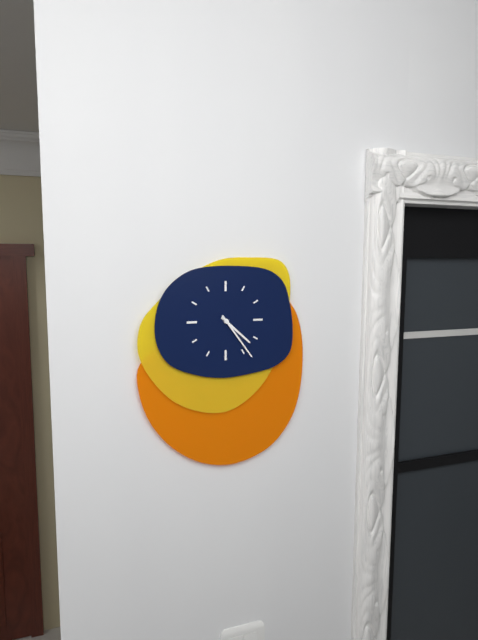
4:24
